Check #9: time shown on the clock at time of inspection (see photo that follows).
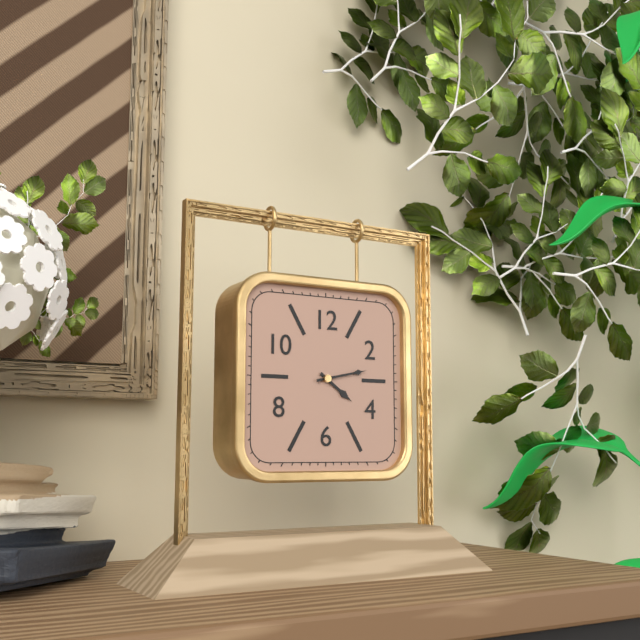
4:13
